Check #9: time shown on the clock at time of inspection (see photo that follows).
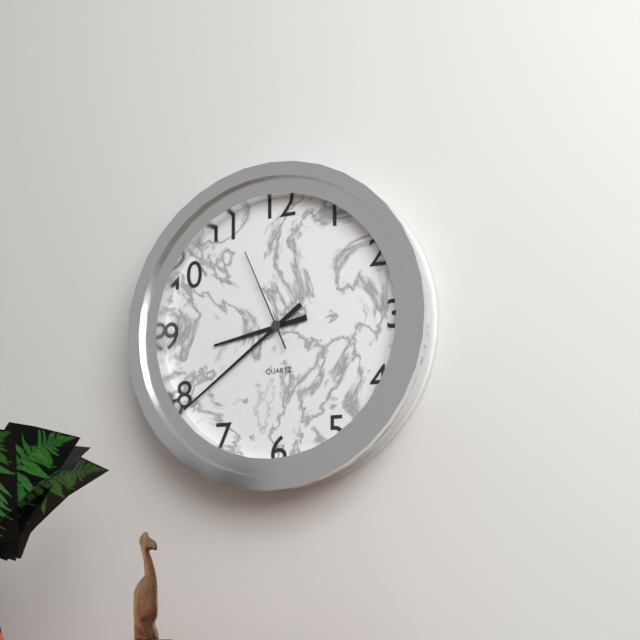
8:39:56
